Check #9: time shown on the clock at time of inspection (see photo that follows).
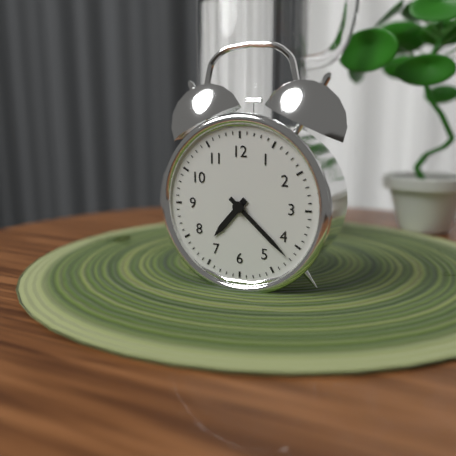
7:22
